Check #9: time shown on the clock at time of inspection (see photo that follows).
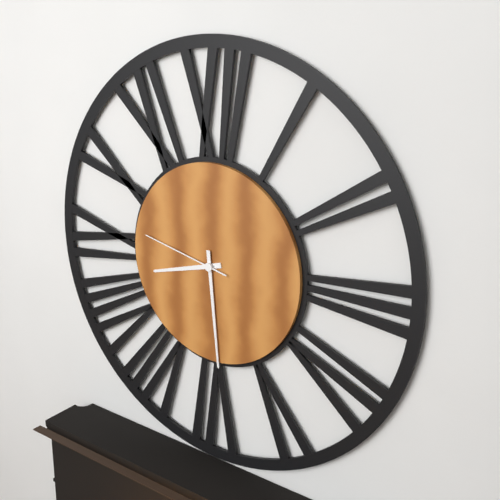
8:29:47
